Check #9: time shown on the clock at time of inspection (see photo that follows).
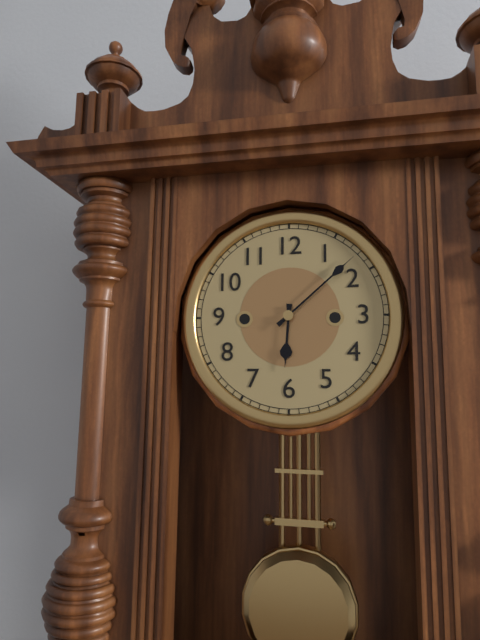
6:08
